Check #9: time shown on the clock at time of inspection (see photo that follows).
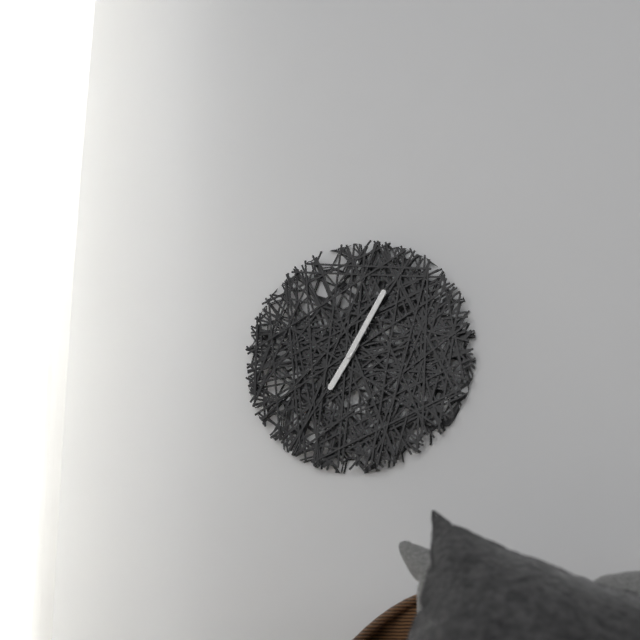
7:05
